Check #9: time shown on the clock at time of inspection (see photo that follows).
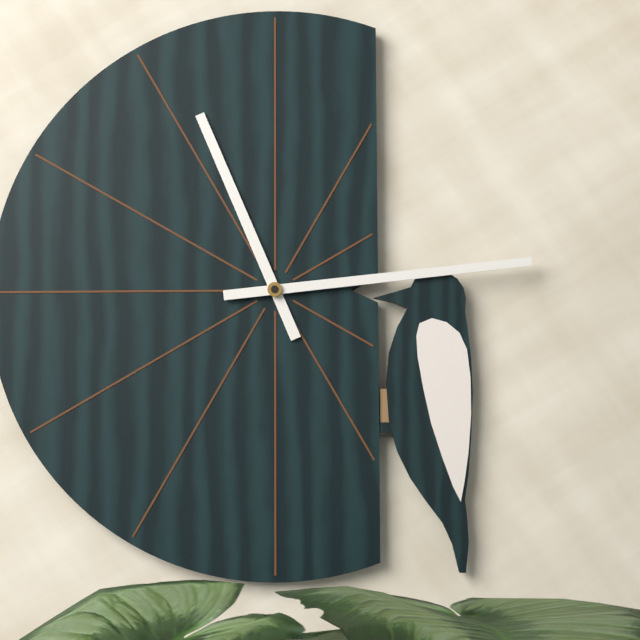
11:14
